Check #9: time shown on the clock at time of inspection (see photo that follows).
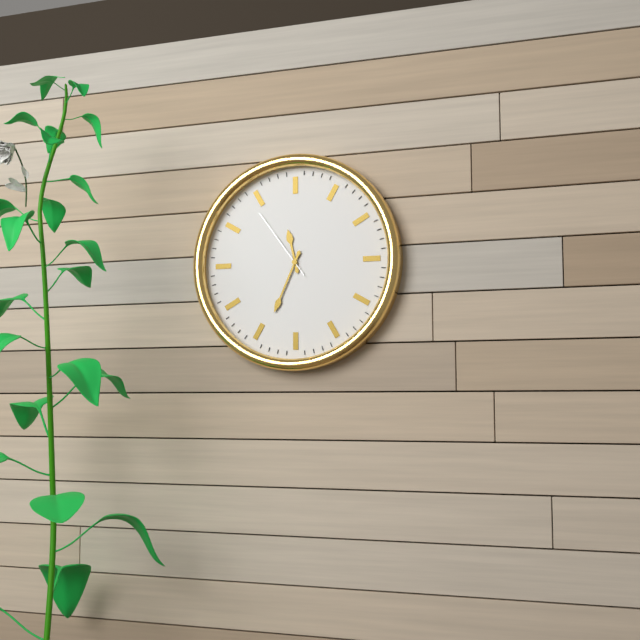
11:34:54
